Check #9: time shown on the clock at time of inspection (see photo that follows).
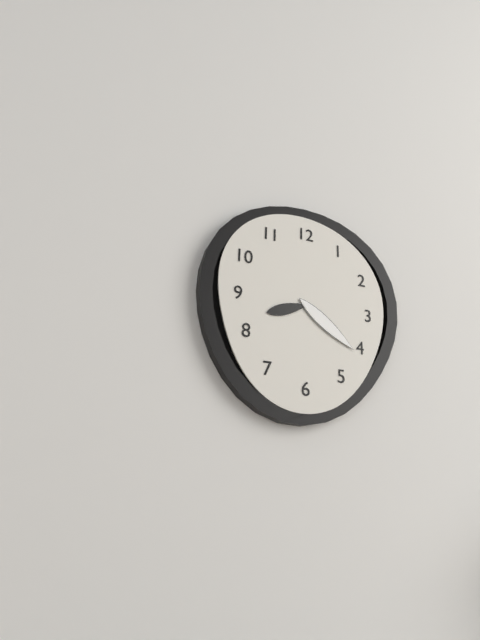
8:21
